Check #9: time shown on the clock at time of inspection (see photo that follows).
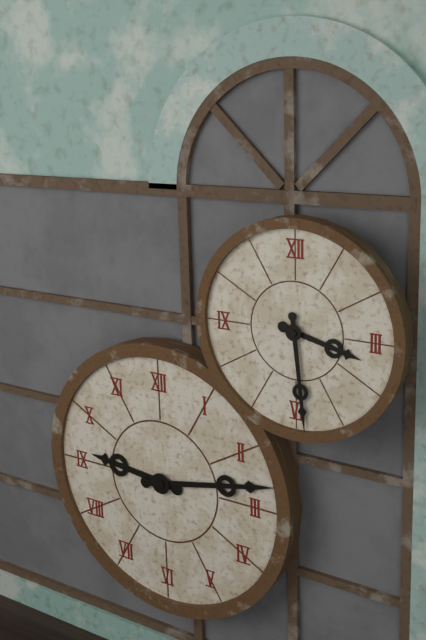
3:29
